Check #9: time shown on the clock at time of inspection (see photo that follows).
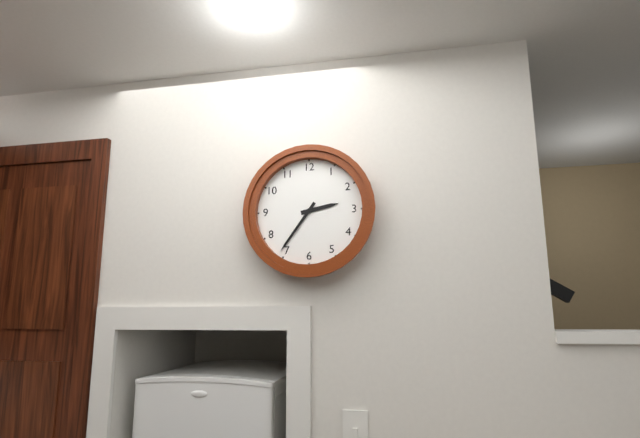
2:36
